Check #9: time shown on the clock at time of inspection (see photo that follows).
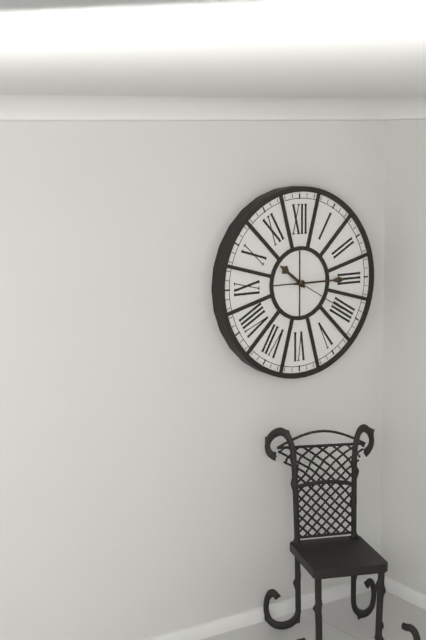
10:15:20
